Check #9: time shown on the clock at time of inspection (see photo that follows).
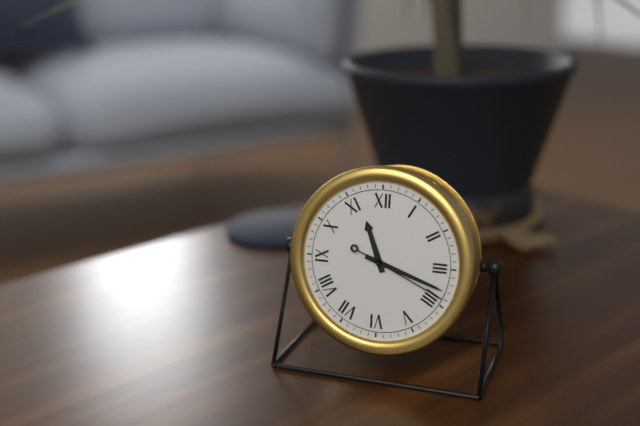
11:18:19
